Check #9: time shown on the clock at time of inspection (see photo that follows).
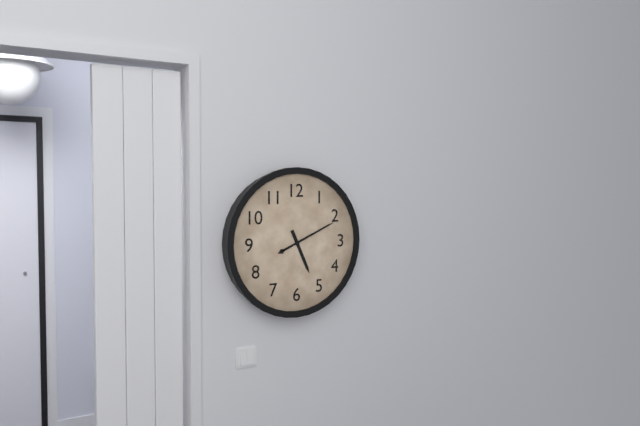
5:11
